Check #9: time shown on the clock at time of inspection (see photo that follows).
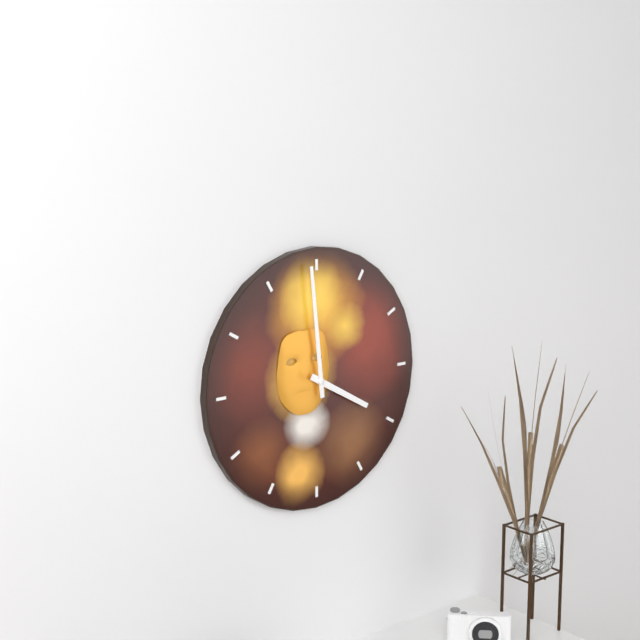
3:59
